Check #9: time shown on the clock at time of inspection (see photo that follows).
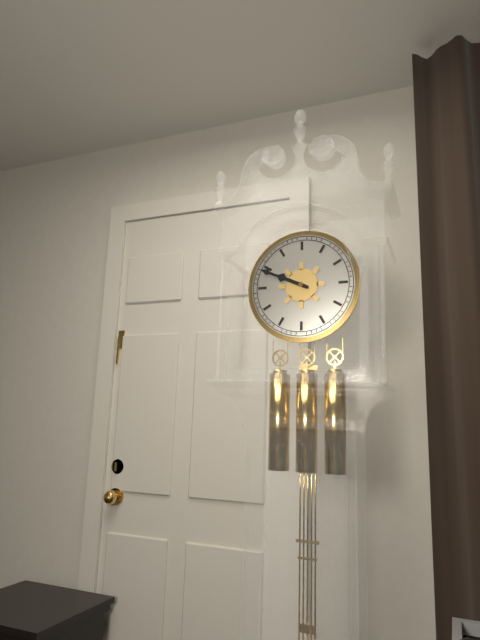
9:49
